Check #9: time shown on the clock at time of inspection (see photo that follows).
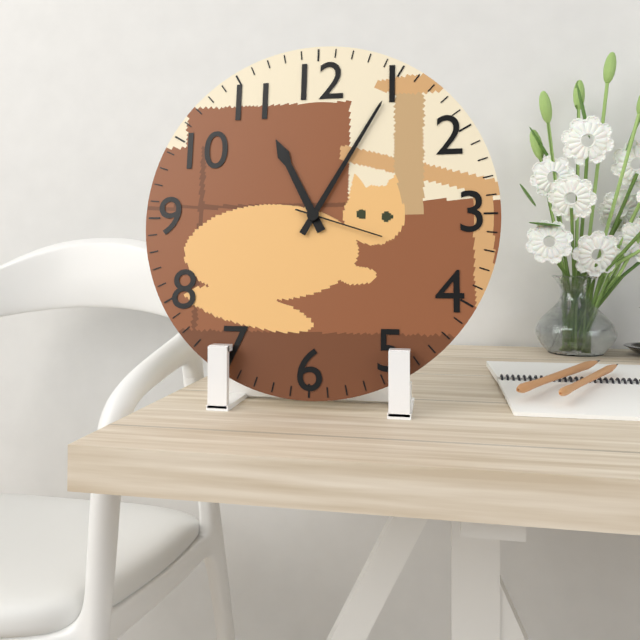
11:05:18
